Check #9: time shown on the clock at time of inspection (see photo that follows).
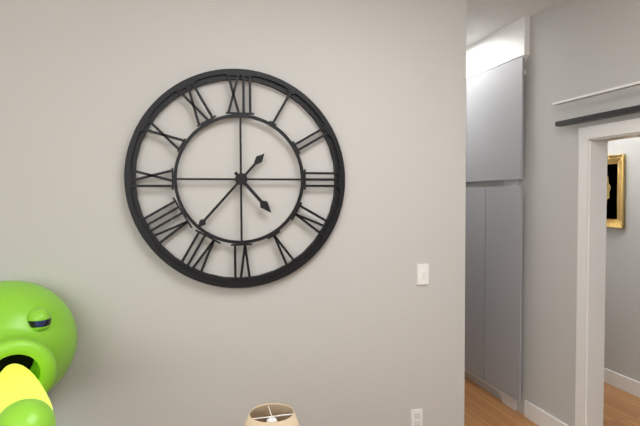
4:37
